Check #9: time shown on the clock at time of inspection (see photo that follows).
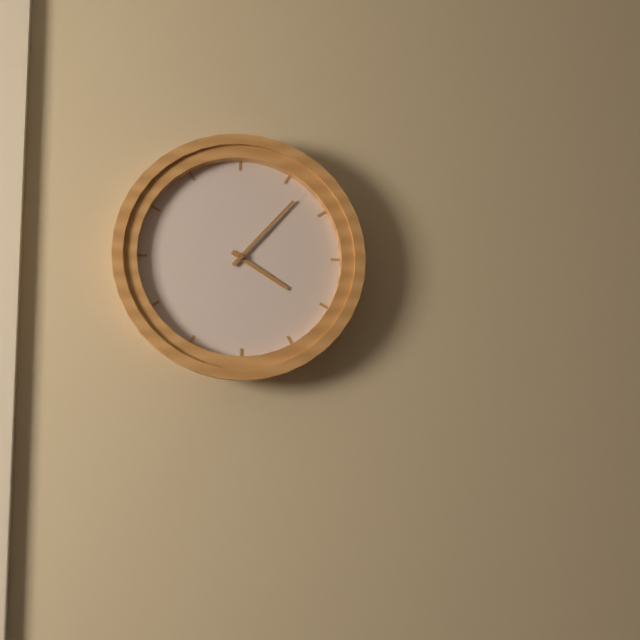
4:07
